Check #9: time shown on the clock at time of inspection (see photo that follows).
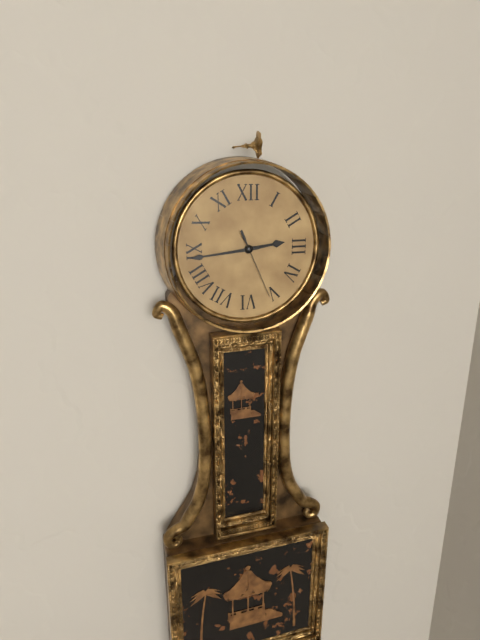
2:44:26
